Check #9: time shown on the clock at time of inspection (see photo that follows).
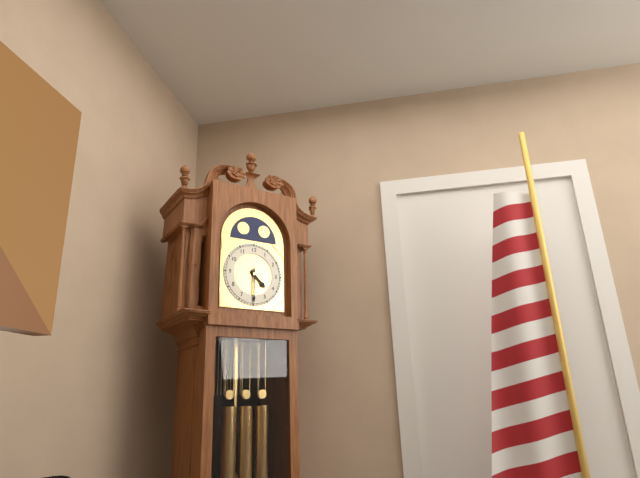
4:30
